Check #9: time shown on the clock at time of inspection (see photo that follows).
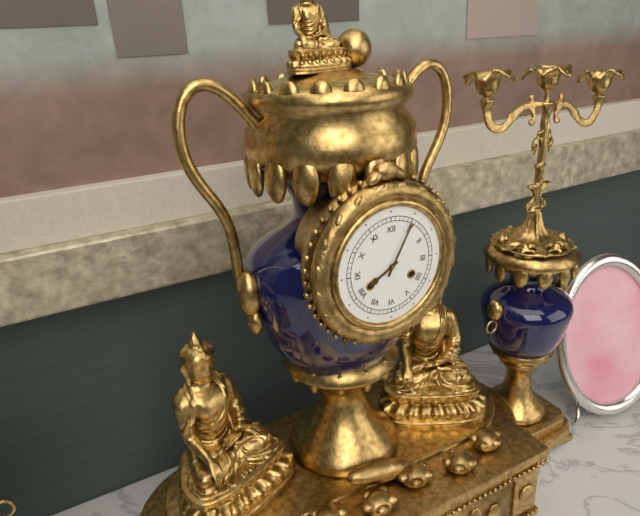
8:05
